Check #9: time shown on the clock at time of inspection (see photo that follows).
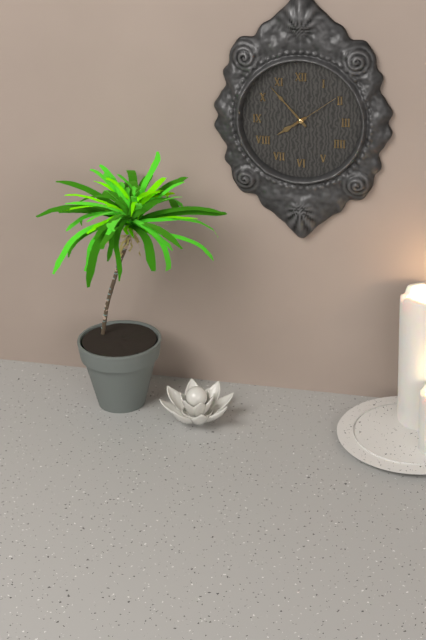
7:53:09
